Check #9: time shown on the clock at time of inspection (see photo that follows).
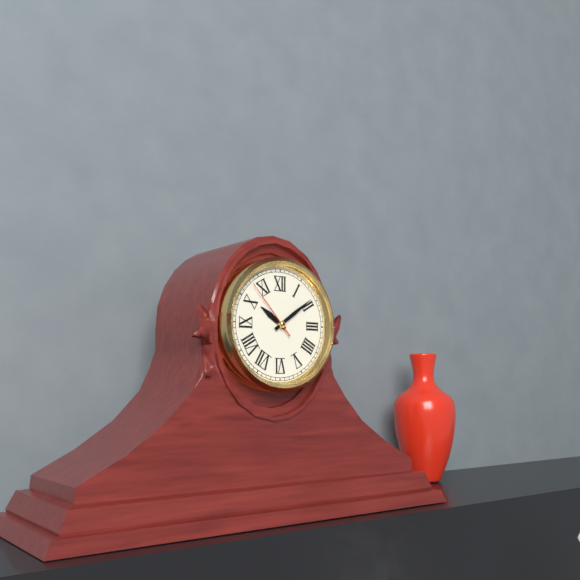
10:09:53
